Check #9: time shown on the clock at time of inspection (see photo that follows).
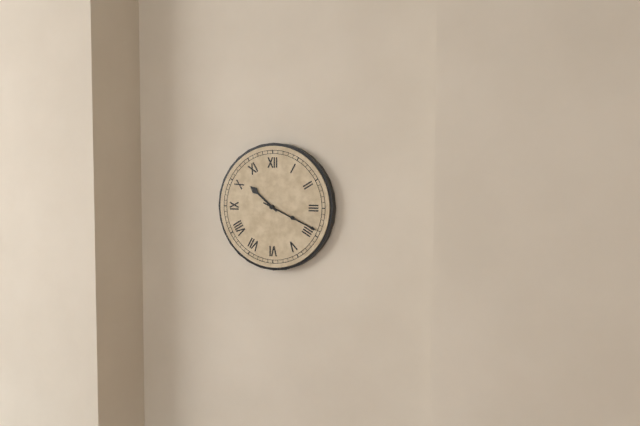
10:19
